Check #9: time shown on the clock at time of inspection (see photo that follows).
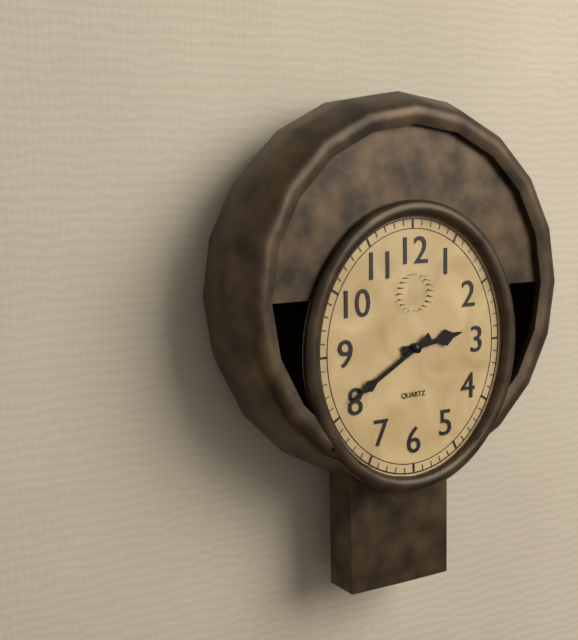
2:40
